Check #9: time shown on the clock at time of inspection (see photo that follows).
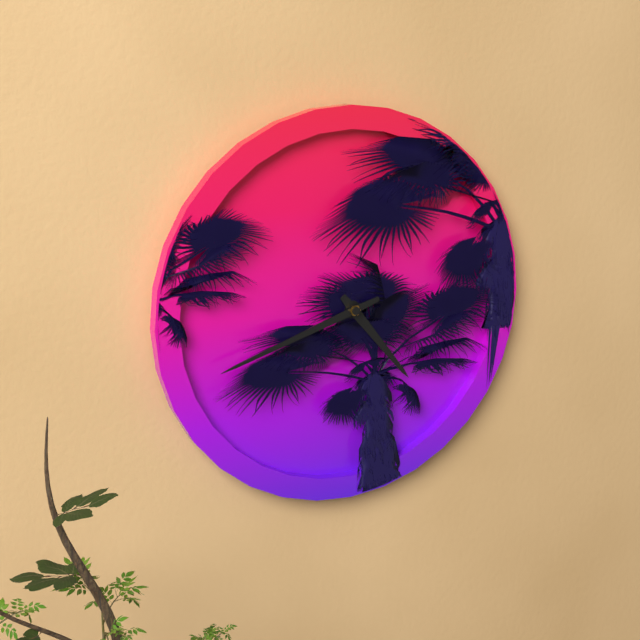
4:42
